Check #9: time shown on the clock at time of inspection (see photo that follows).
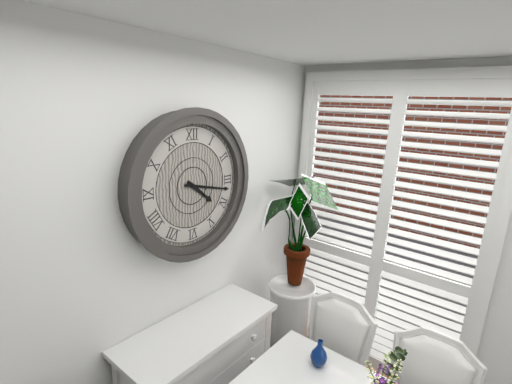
4:17
